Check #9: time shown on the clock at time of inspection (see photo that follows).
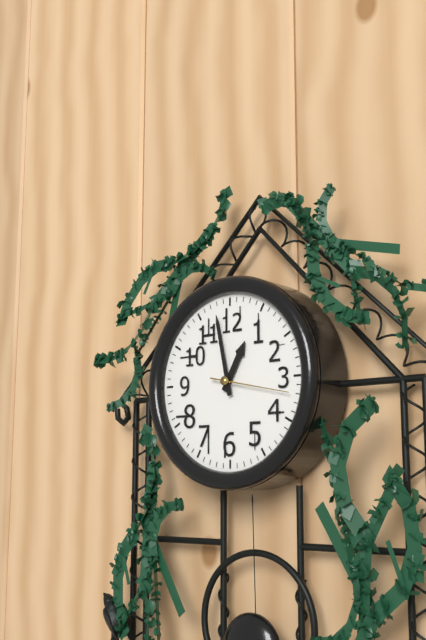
12:58:17
